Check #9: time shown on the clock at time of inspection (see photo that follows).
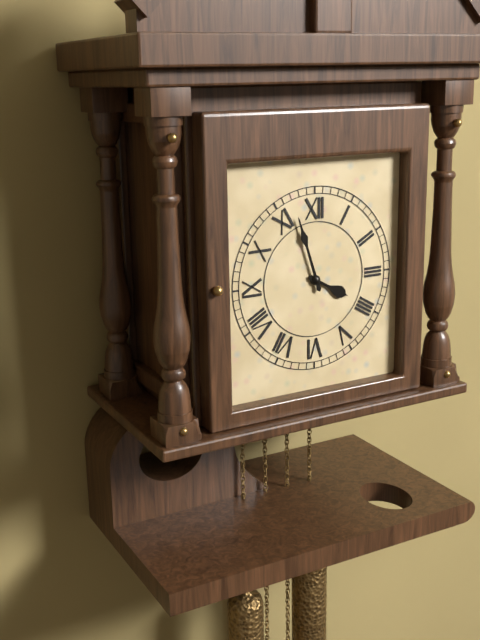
3:57
